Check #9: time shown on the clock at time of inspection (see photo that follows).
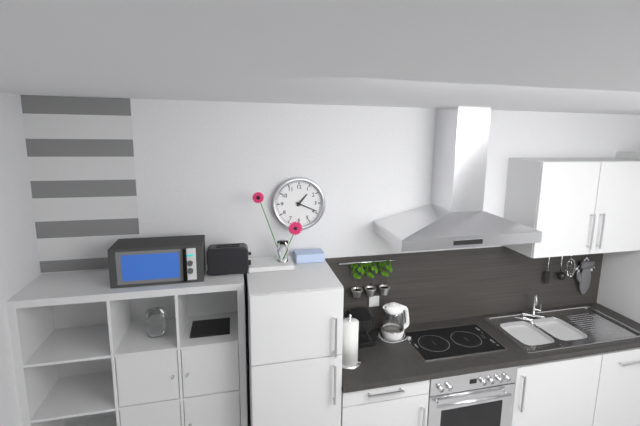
1:19
